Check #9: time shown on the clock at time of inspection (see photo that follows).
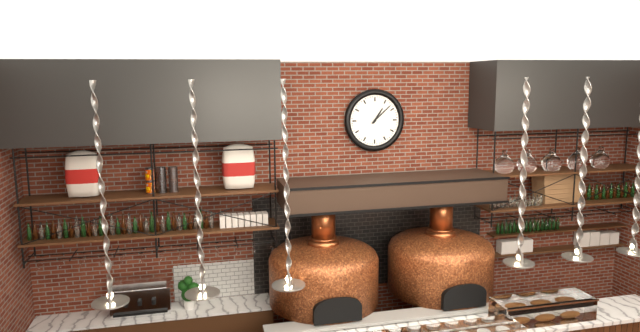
1:08
